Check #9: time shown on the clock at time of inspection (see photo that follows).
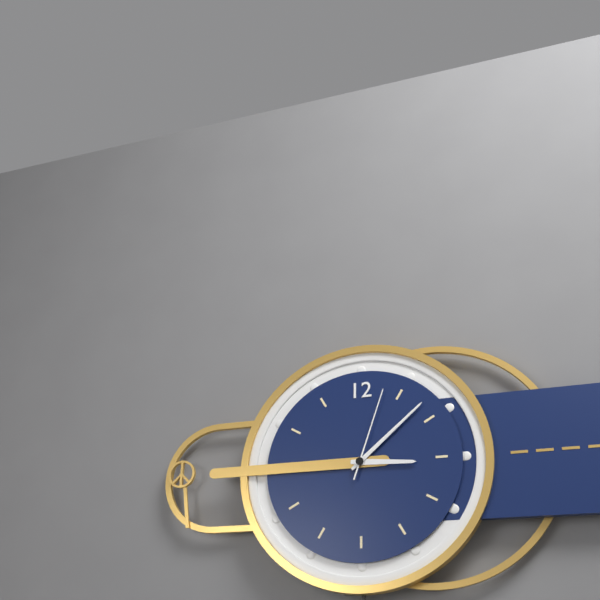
3:08:03
